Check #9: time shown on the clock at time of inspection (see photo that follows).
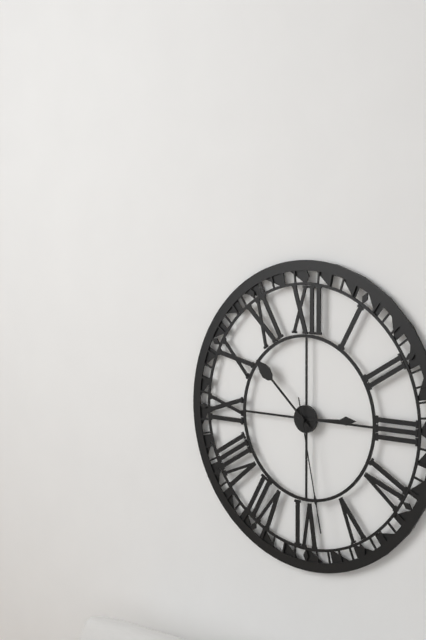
2:52:28
